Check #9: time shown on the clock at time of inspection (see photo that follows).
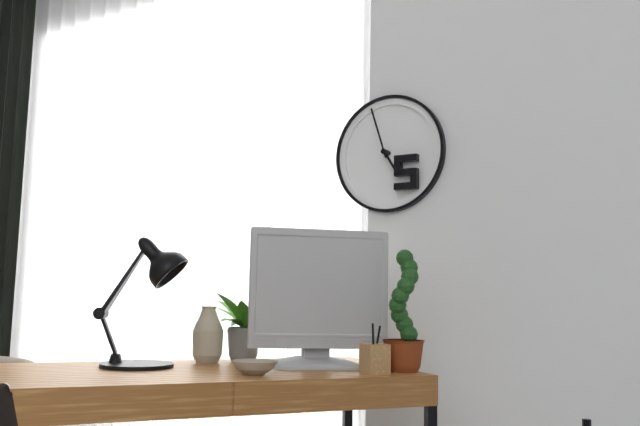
4:57
